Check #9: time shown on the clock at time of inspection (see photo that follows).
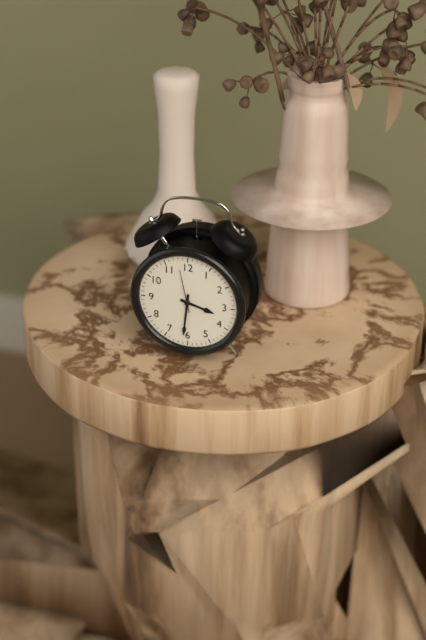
3:31
